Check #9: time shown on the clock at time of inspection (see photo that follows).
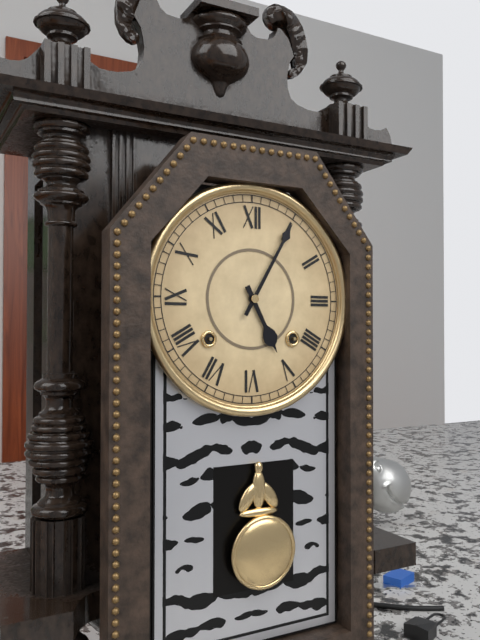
5:05
